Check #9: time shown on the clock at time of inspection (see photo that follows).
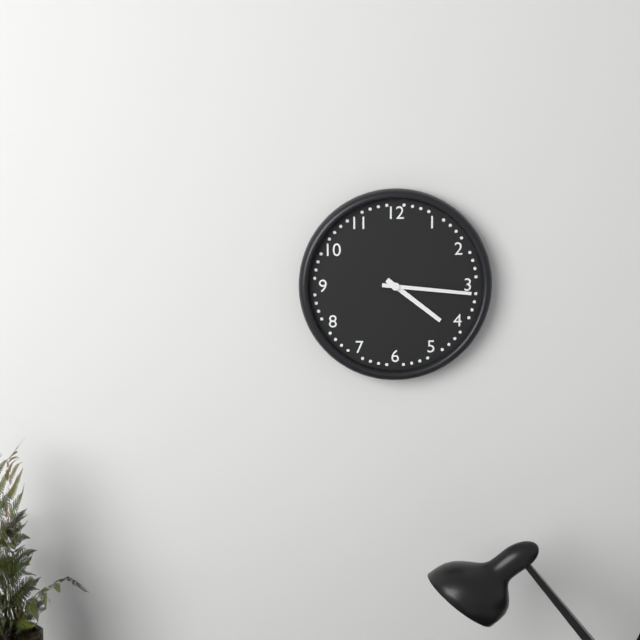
4:16
